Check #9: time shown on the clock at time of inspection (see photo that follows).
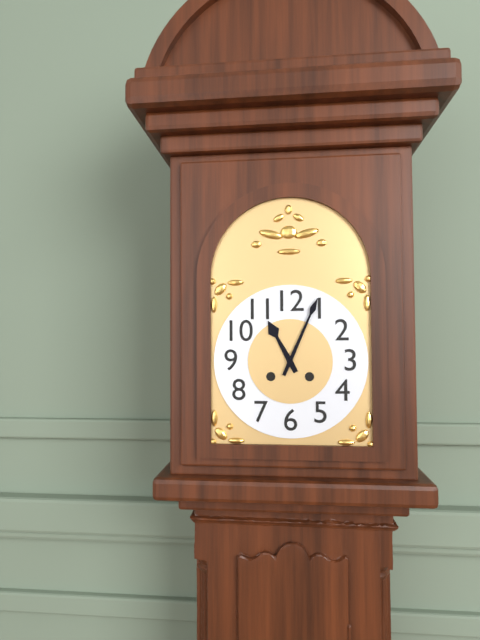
11:04
